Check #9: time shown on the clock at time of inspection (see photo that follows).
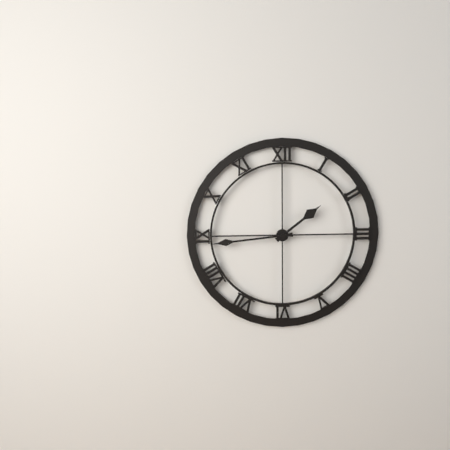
1:44
